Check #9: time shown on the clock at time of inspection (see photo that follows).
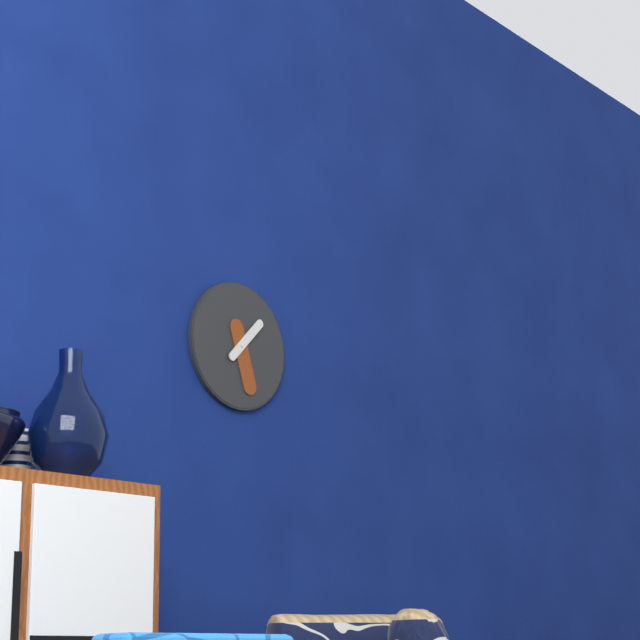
1:27
